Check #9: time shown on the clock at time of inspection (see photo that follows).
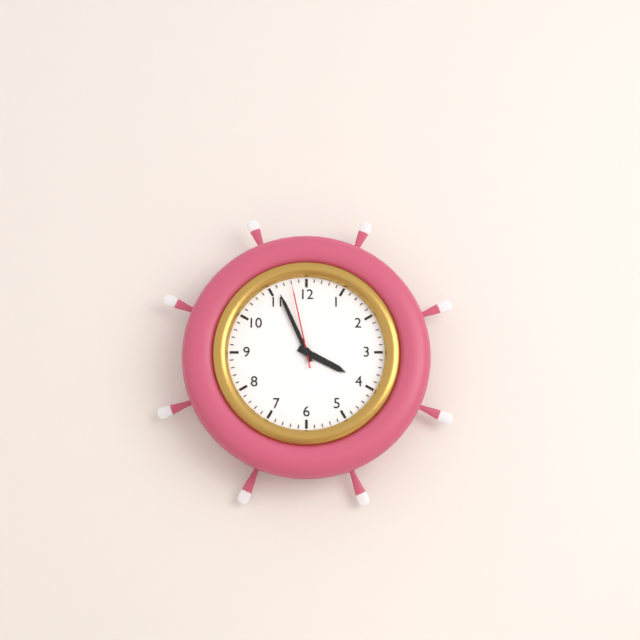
3:56:58
